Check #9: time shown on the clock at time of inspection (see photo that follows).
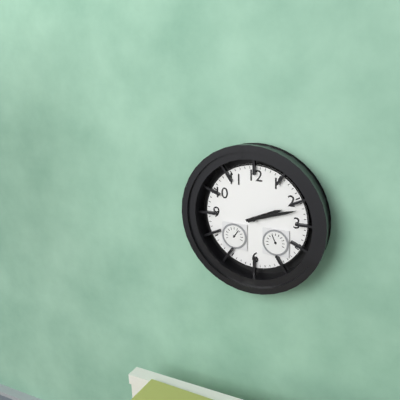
2:12
